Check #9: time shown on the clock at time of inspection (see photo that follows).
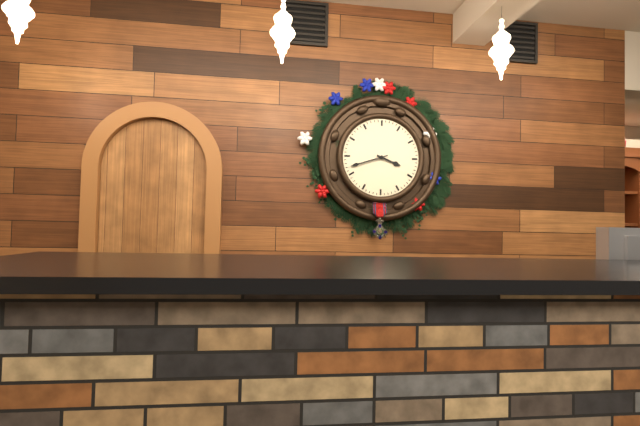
3:42
